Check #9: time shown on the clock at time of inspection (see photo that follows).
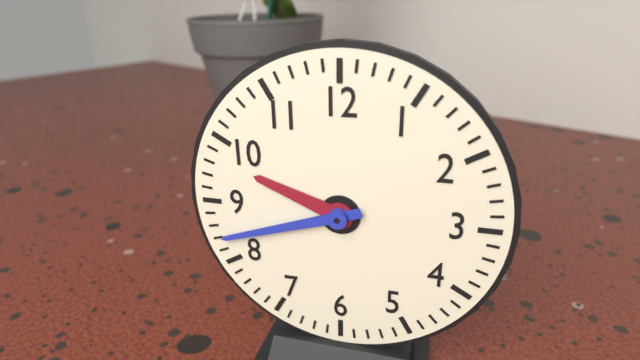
9:42
